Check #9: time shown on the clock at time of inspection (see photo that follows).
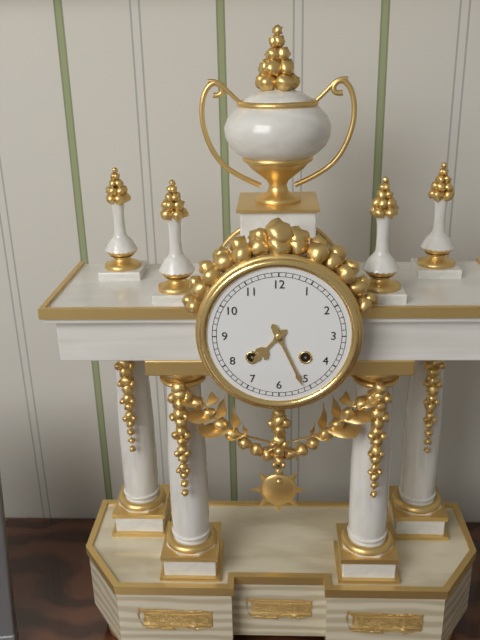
7:26
